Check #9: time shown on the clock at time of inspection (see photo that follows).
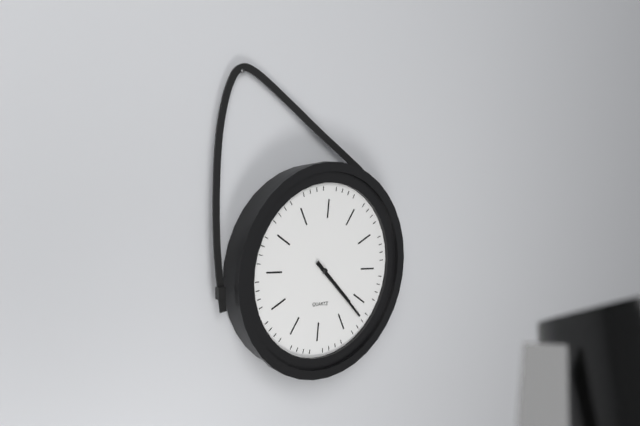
4:22
